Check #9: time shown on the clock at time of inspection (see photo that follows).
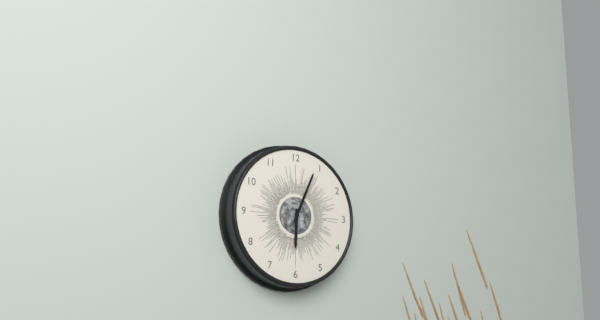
6:04
